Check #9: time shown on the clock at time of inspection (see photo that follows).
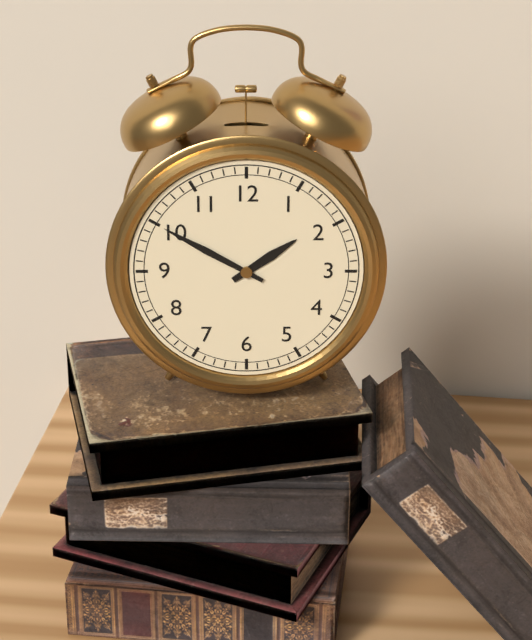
1:50
